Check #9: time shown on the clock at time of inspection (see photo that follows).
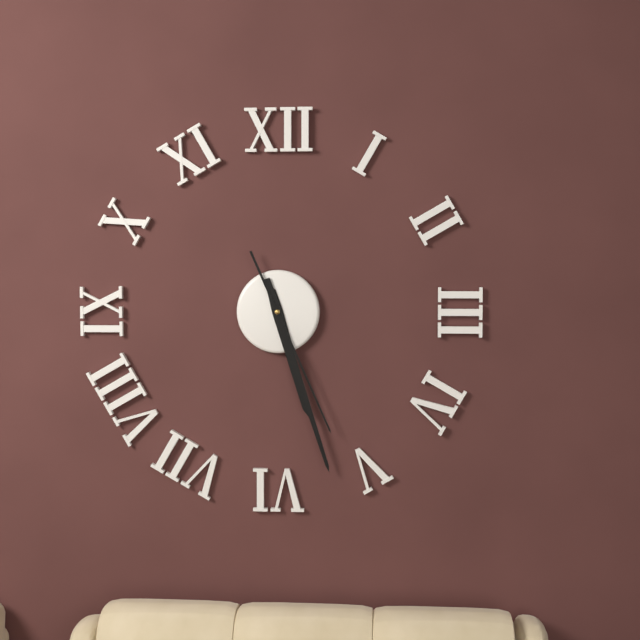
5:27:26
